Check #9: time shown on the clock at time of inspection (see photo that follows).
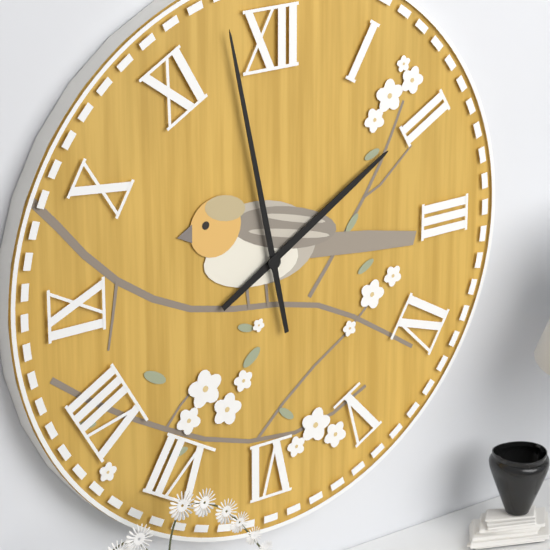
1:58
